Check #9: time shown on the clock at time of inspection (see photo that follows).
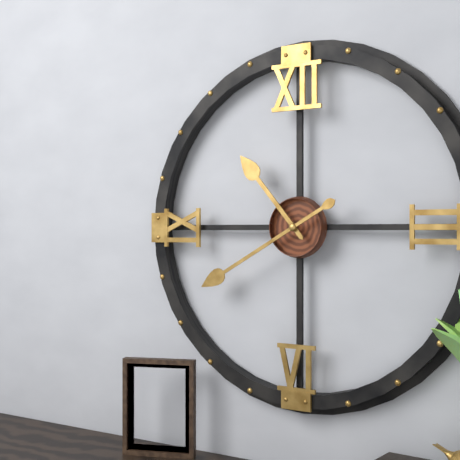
10:40
